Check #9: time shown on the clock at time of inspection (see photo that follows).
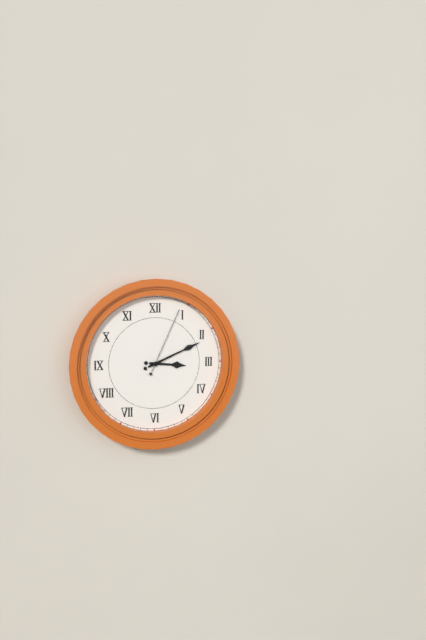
3:11:04
